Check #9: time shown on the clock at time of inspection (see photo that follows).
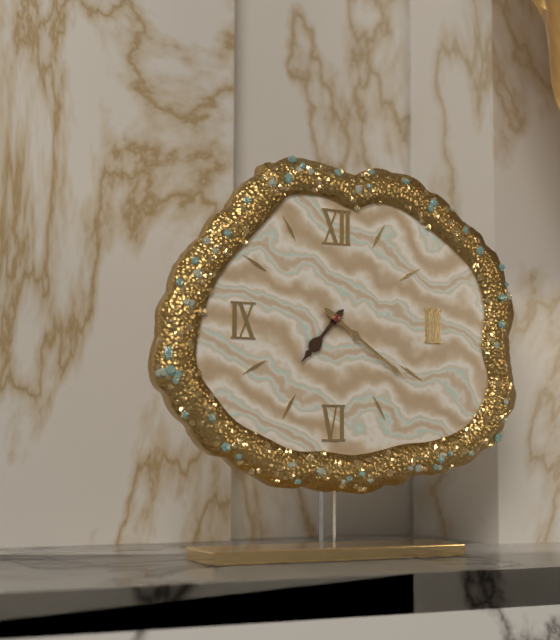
7:21
